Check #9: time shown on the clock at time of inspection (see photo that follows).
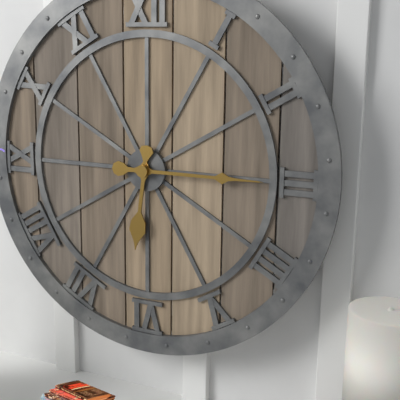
6:15
